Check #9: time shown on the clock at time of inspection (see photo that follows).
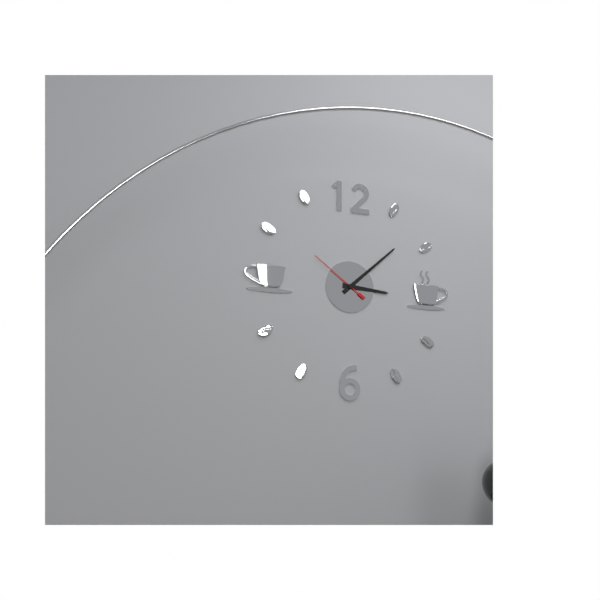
3:08:51
